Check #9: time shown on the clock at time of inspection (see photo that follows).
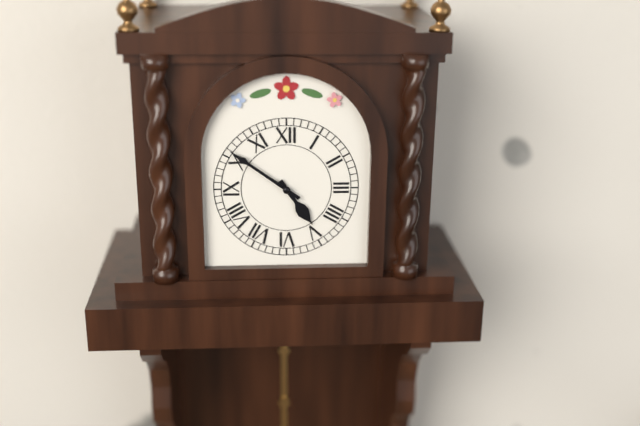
4:51
